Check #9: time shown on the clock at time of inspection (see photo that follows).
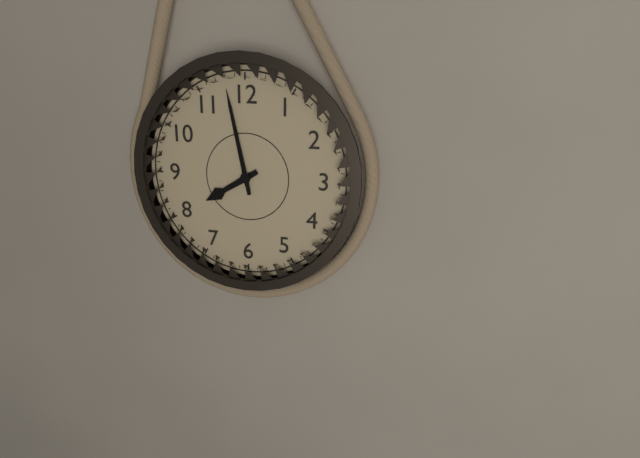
7:58
